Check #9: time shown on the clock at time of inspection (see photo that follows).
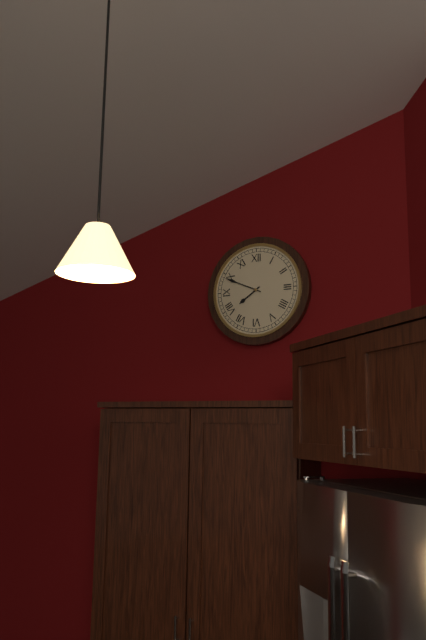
7:49
